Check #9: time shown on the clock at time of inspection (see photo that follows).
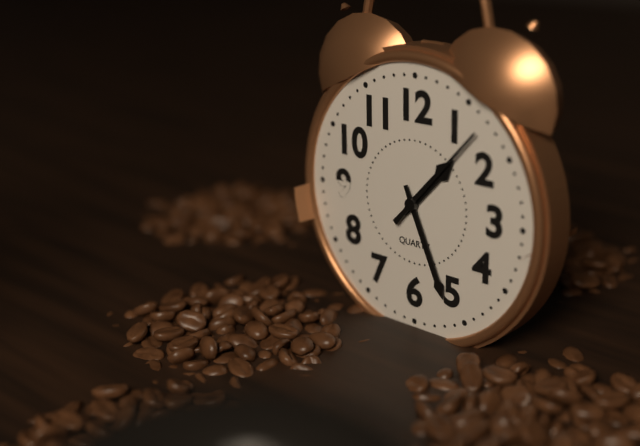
1:26:07
